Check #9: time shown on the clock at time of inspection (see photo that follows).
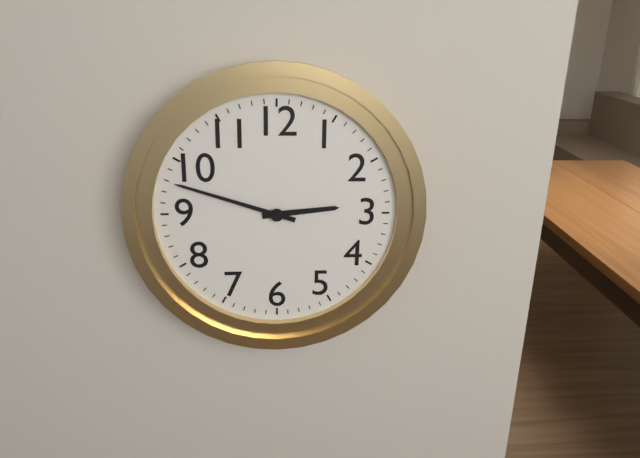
2:48
